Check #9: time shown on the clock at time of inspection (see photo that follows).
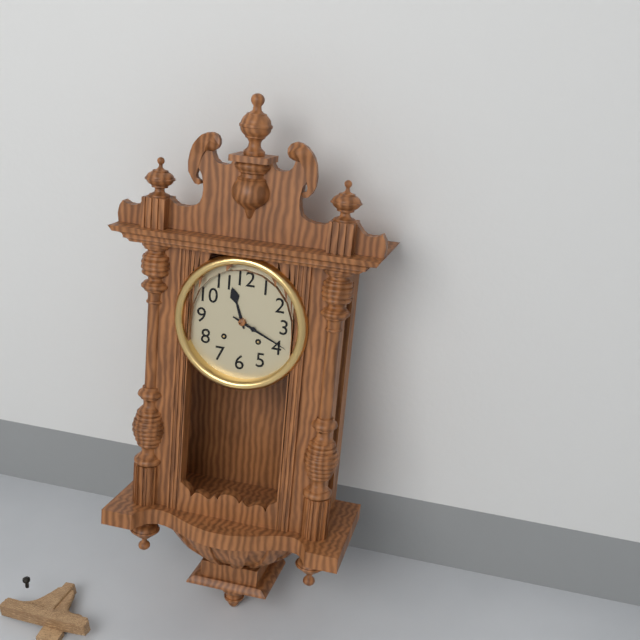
11:19
